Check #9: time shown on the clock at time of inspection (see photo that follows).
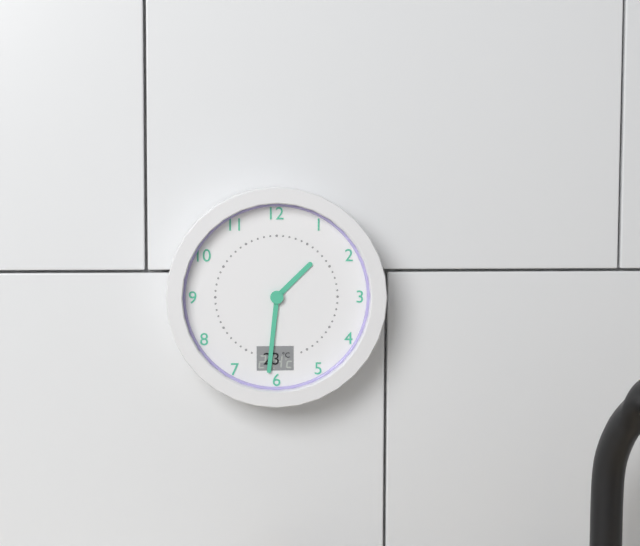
1:31
